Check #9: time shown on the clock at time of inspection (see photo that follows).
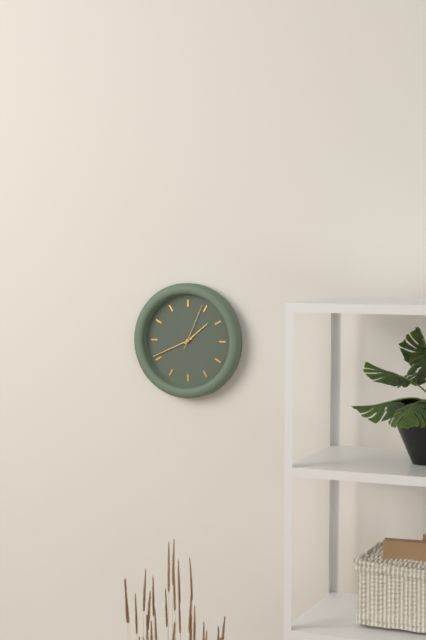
1:41
